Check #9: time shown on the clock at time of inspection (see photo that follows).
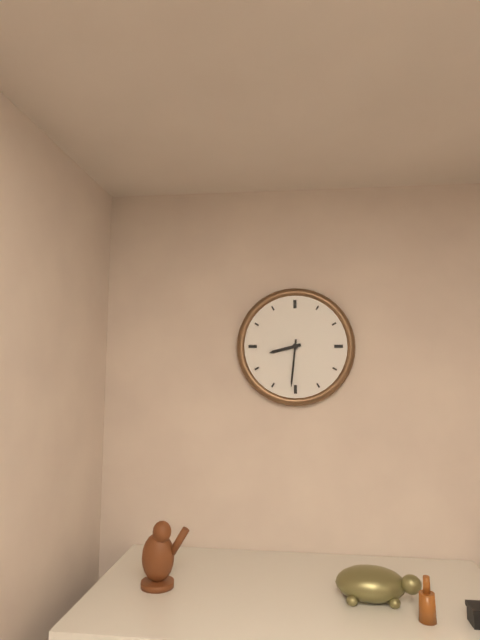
8:31
